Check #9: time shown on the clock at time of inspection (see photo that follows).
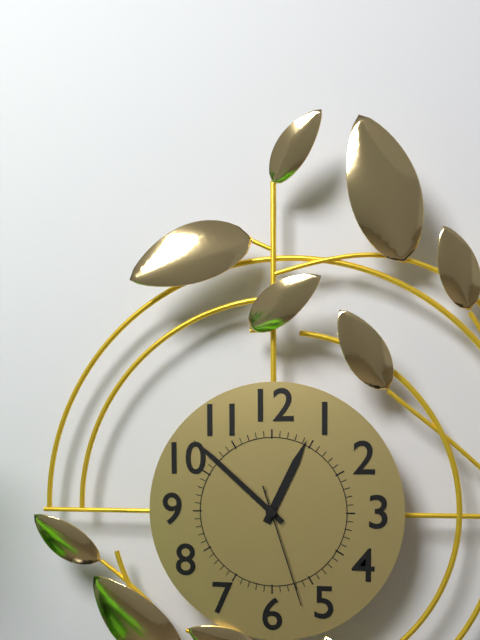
12:52:27
